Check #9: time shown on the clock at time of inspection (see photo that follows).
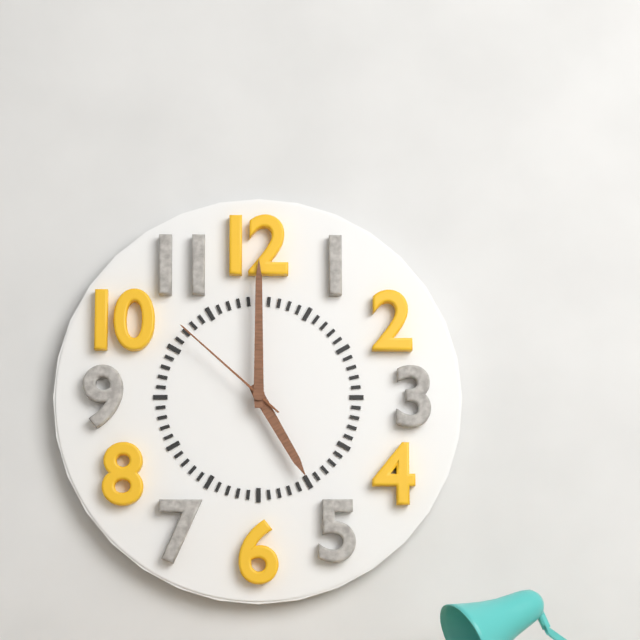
5:00:52
